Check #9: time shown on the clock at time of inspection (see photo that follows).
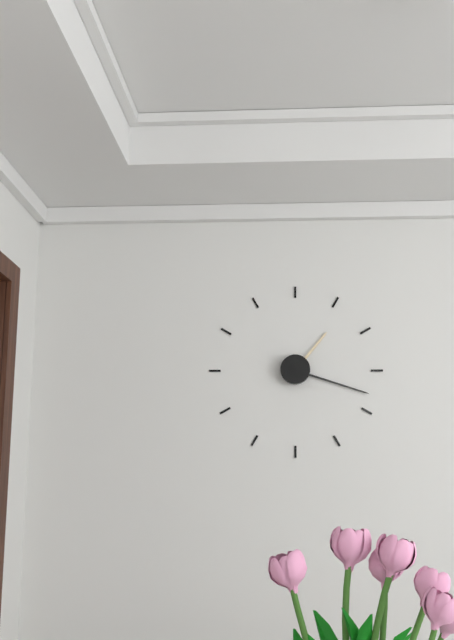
1:18
